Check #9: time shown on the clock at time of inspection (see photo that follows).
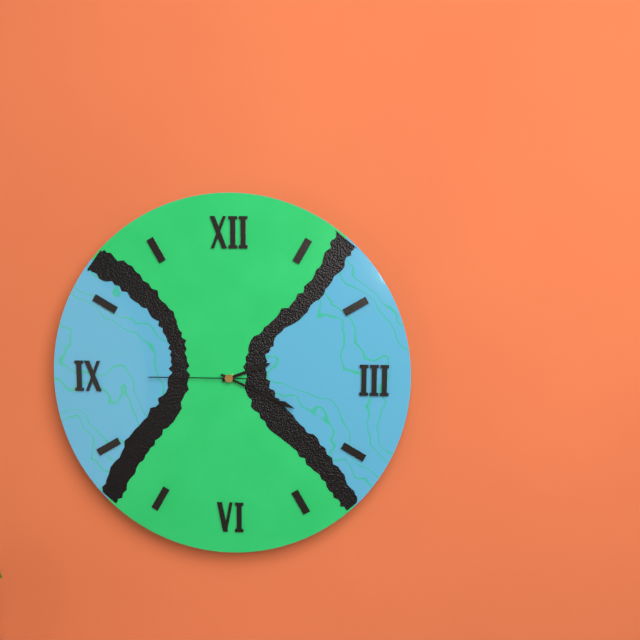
2:19:45
